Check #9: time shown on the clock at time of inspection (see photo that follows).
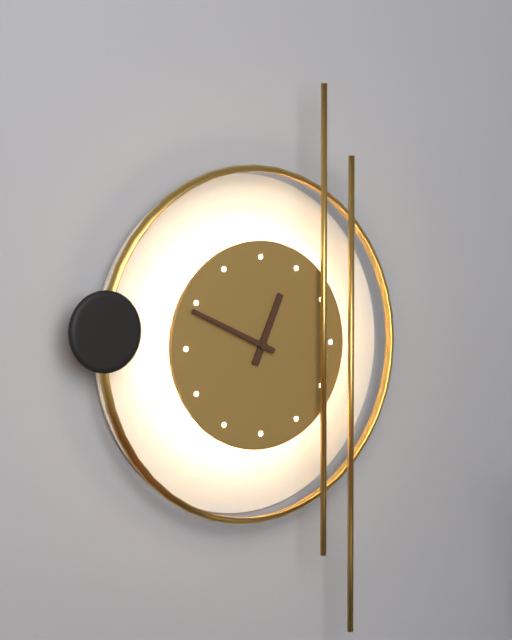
12:49
